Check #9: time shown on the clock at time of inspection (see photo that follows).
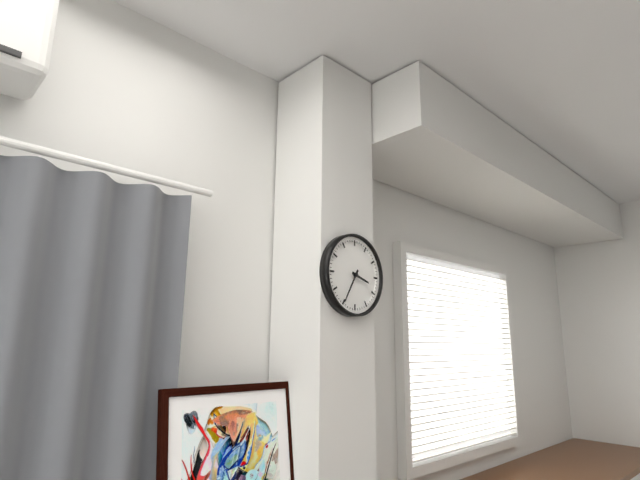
3:35
